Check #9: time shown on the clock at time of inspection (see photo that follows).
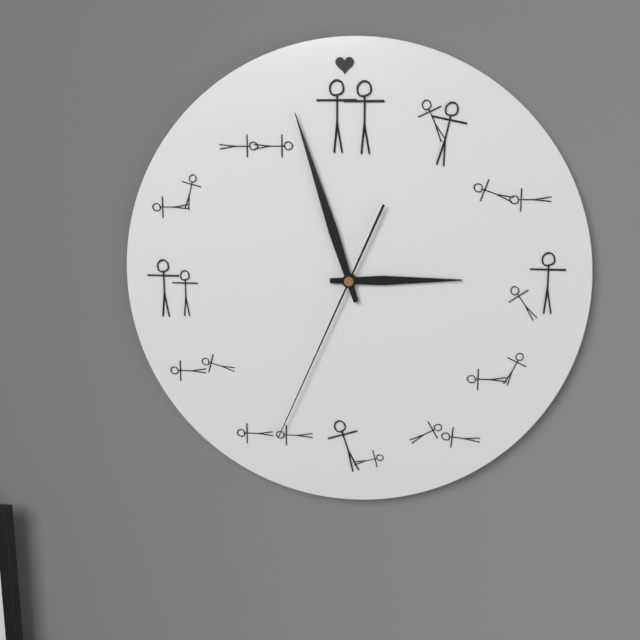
2:57:34
